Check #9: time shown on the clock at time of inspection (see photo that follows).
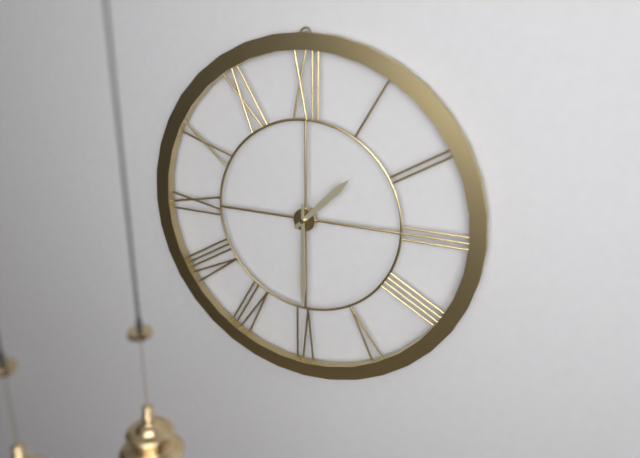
1:30
